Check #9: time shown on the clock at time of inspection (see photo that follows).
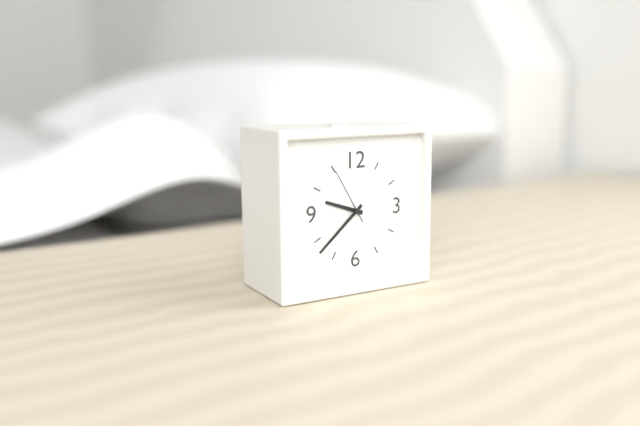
9:38:55
